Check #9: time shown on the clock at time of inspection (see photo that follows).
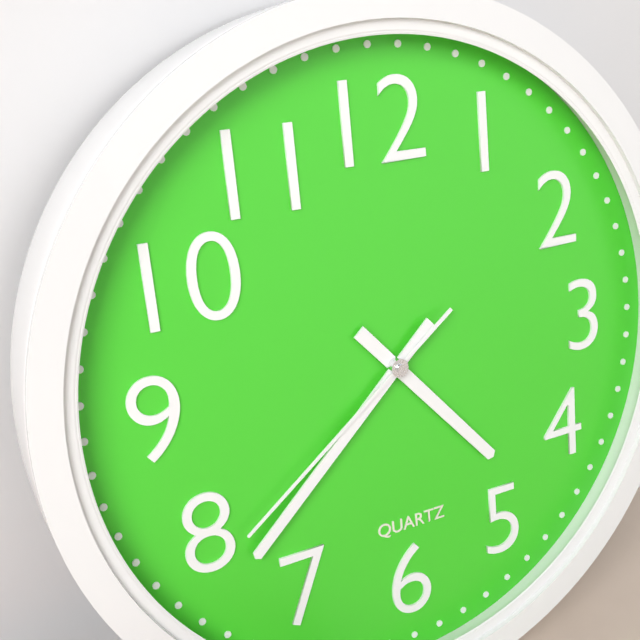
4:38:39
